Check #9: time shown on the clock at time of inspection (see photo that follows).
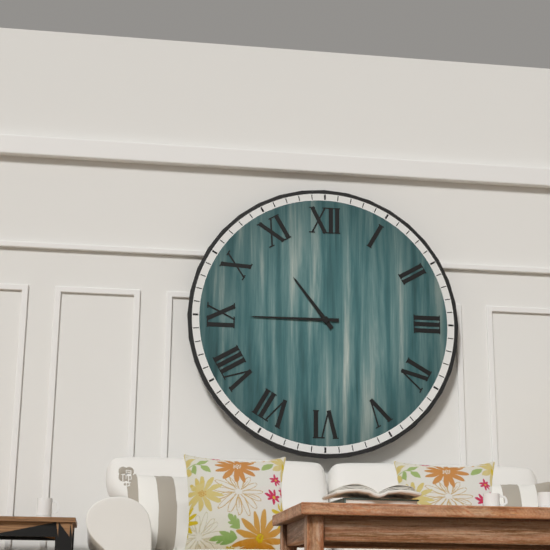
10:45
